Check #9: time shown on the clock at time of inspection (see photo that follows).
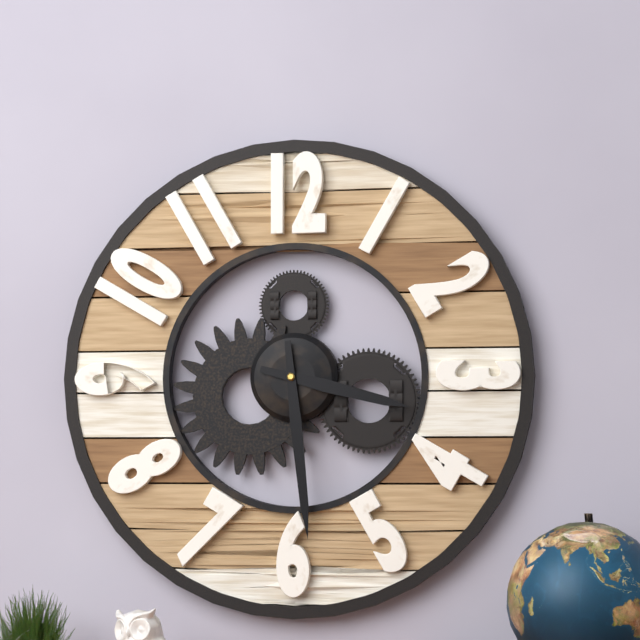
3:29
